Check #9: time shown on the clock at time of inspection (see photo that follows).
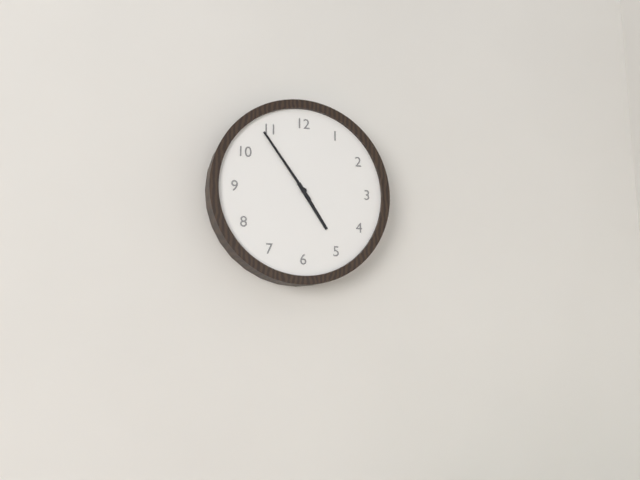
4:54
